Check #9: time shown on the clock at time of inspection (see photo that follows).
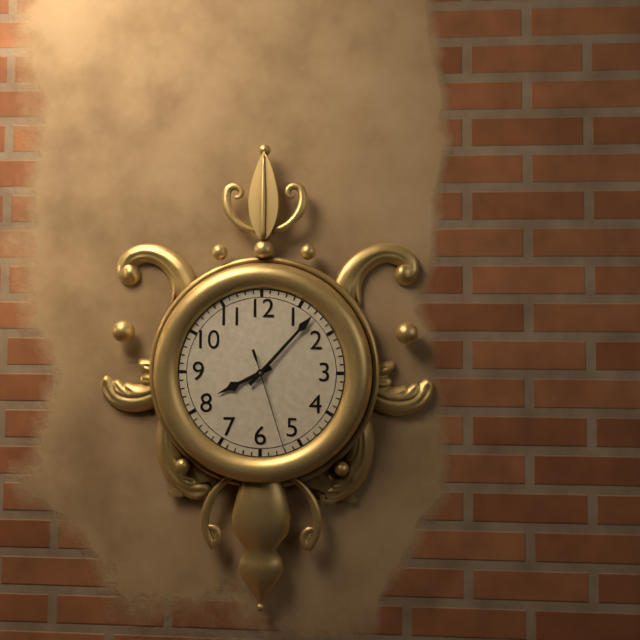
8:07:27
